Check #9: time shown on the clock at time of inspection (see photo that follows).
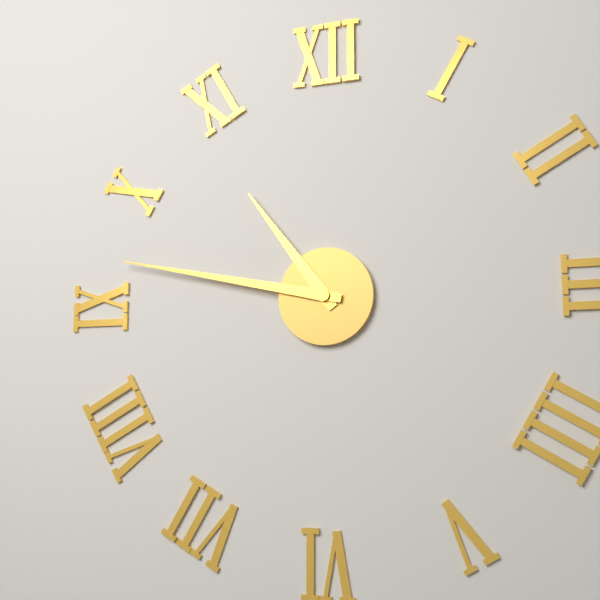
10:47
